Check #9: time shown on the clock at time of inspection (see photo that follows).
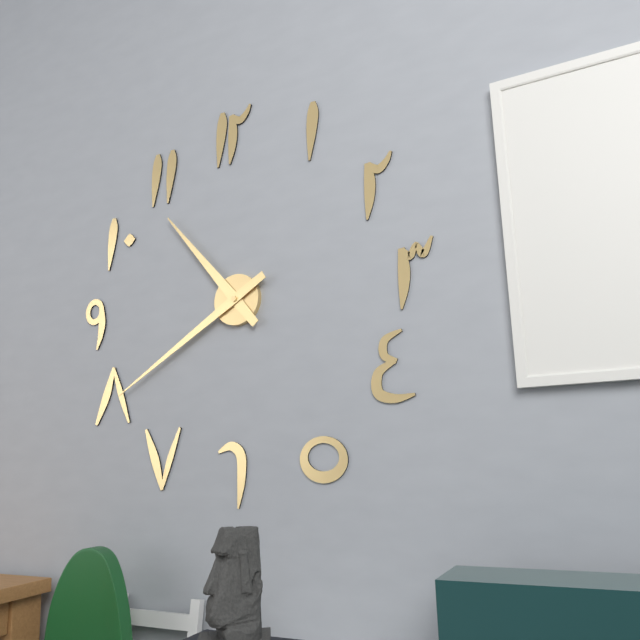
10:40
